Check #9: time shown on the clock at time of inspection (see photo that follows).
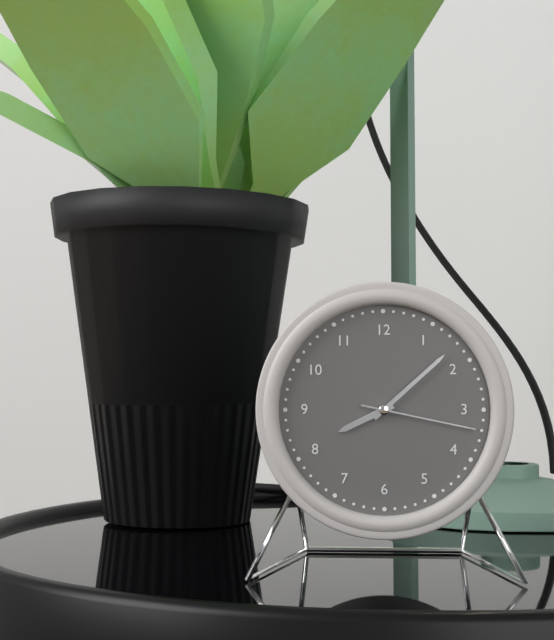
8:08:17
